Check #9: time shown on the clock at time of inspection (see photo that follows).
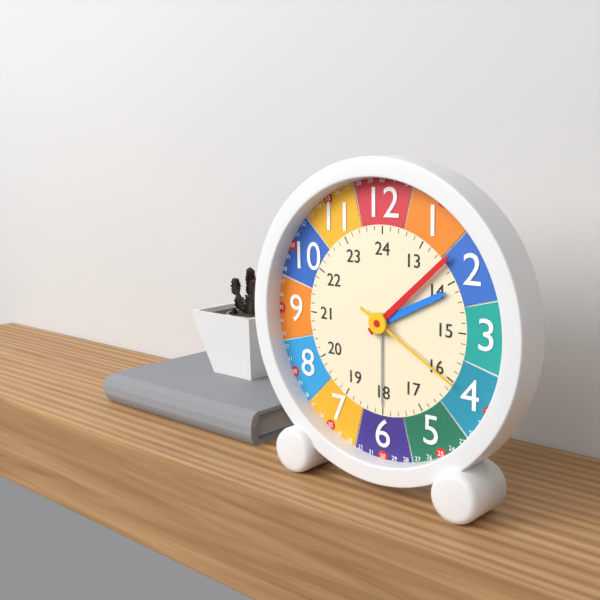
2:08:20
